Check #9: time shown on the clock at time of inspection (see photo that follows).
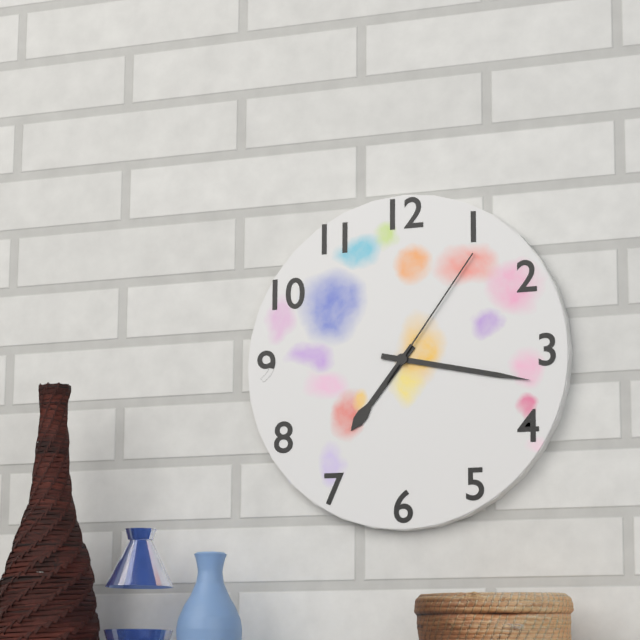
7:17:06
